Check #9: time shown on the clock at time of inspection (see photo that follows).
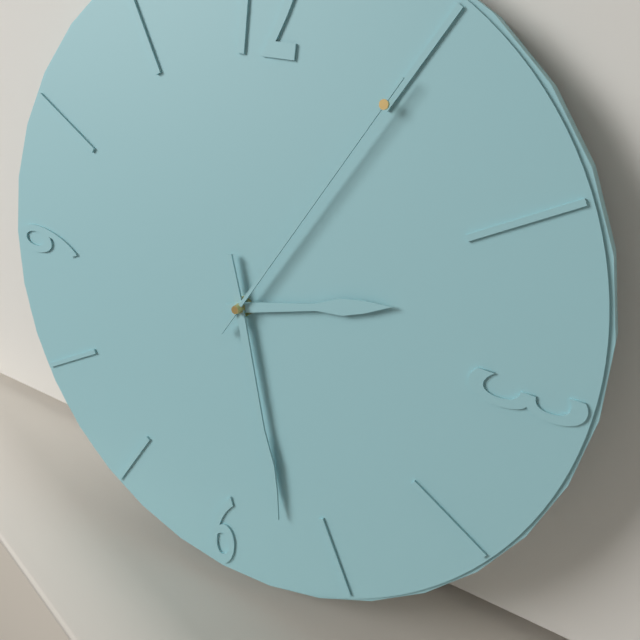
2:27:05
